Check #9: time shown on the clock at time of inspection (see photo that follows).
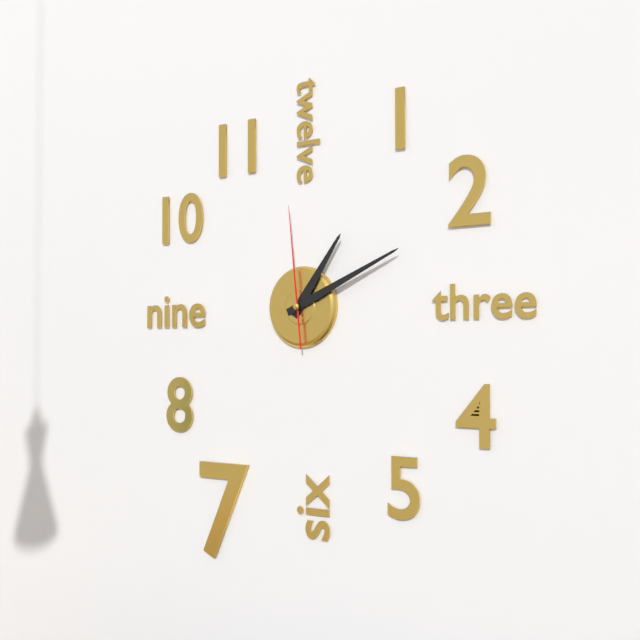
1:11:59
